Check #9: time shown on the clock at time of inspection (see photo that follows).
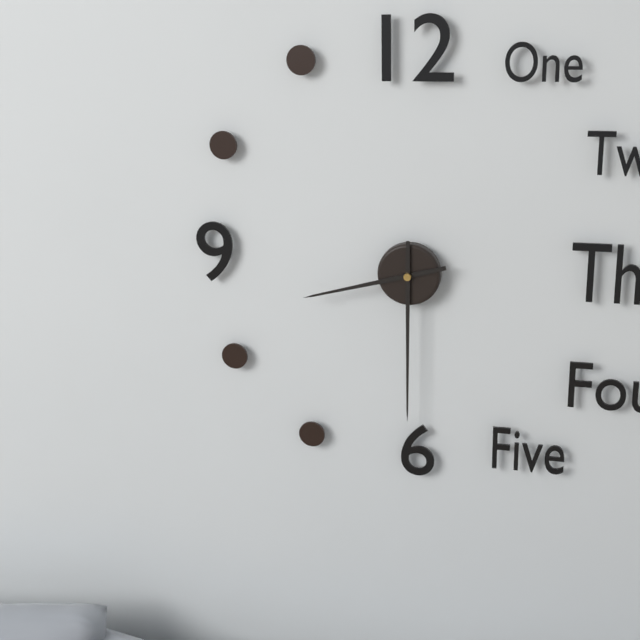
8:30
